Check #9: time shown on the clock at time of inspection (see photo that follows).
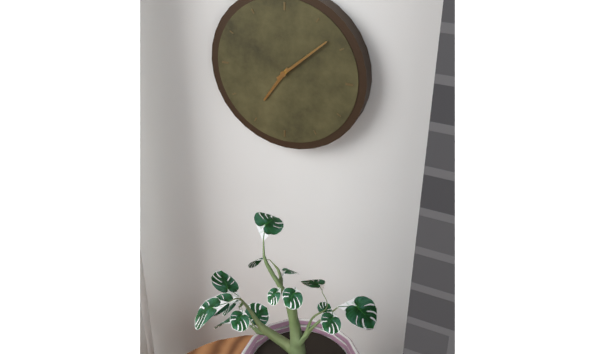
7:08
